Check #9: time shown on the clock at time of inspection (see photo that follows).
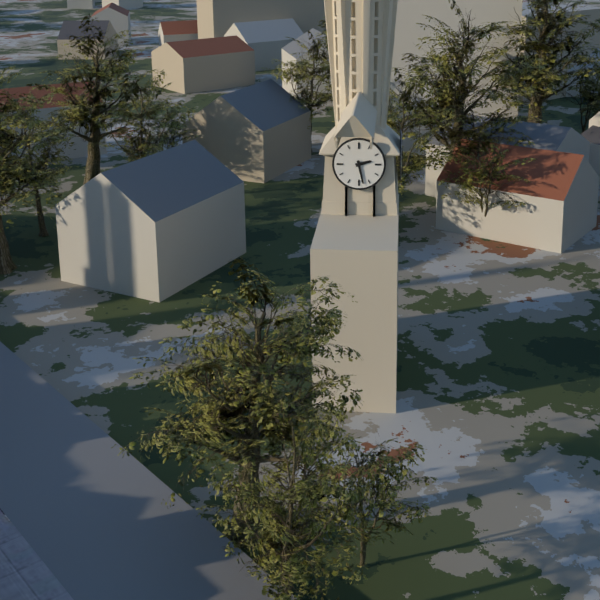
2:28
